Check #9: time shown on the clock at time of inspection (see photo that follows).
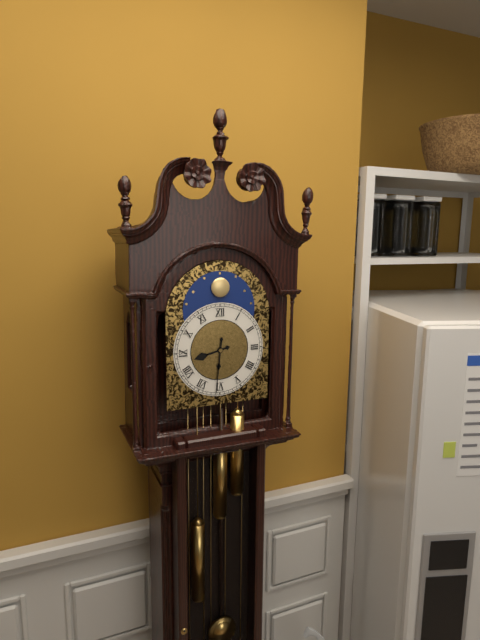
8:31
